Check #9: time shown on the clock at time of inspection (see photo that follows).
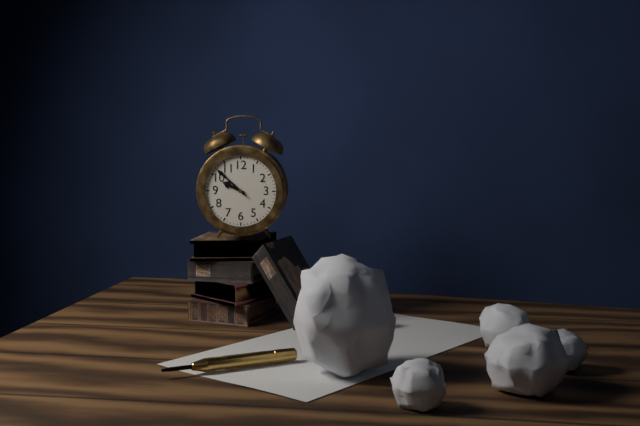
9:52
